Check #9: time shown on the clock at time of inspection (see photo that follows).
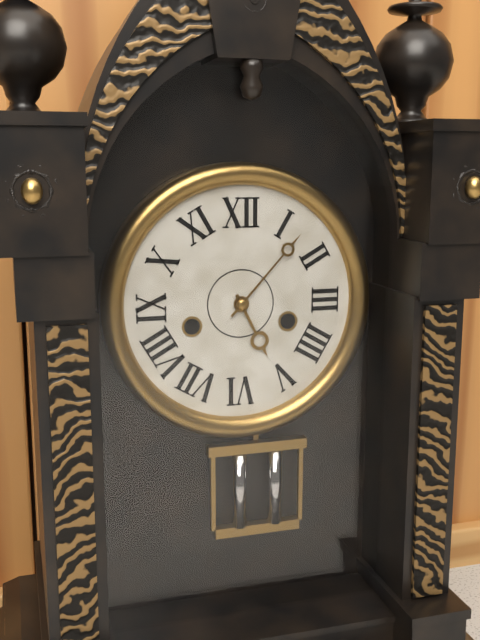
5:07
